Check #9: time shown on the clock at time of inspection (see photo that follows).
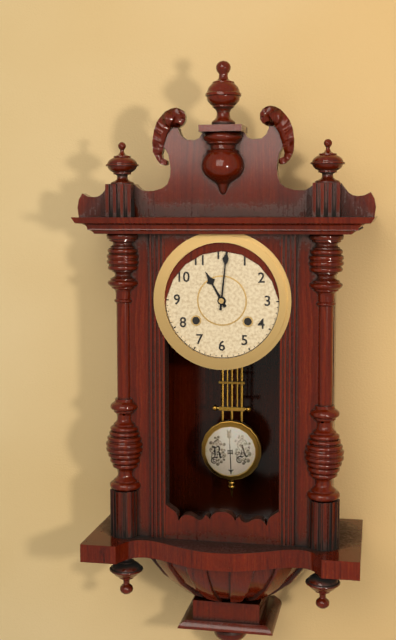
11:01
